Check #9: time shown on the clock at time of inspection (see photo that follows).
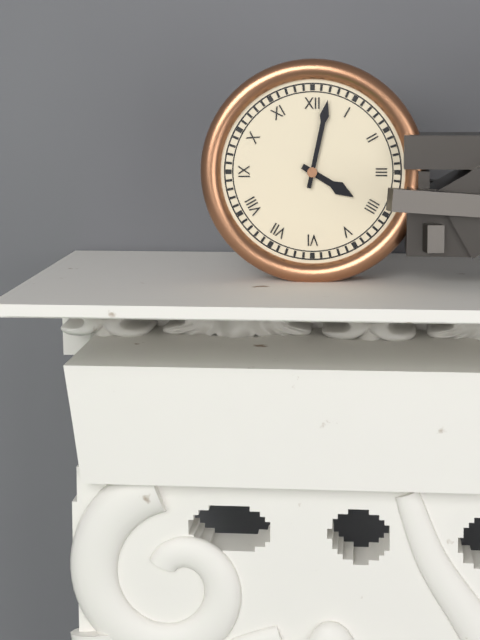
4:02
